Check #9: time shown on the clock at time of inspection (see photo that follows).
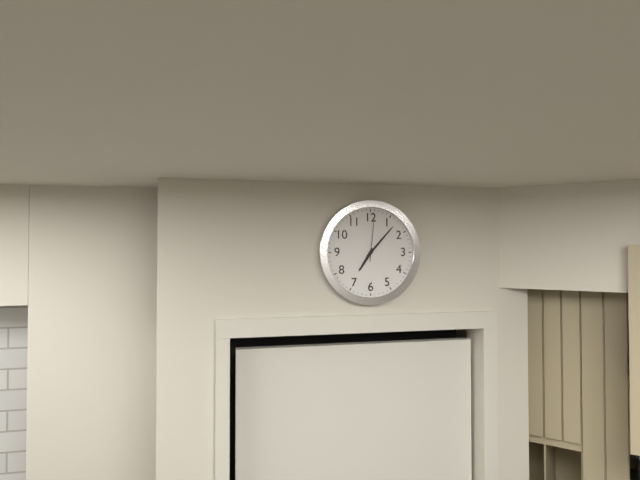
7:07
